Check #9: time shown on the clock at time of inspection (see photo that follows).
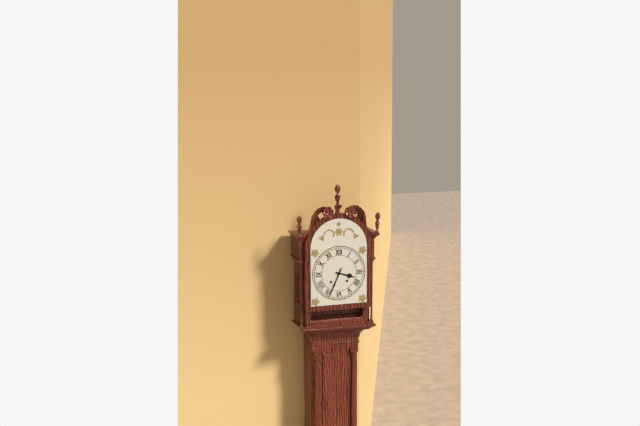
3:34
